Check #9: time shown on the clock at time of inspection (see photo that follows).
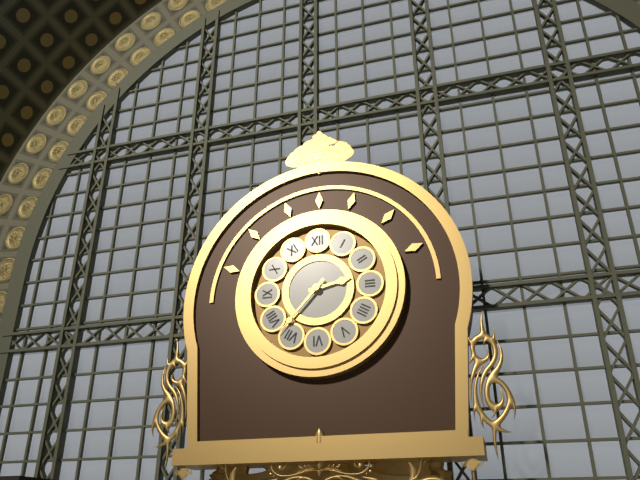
2:37
